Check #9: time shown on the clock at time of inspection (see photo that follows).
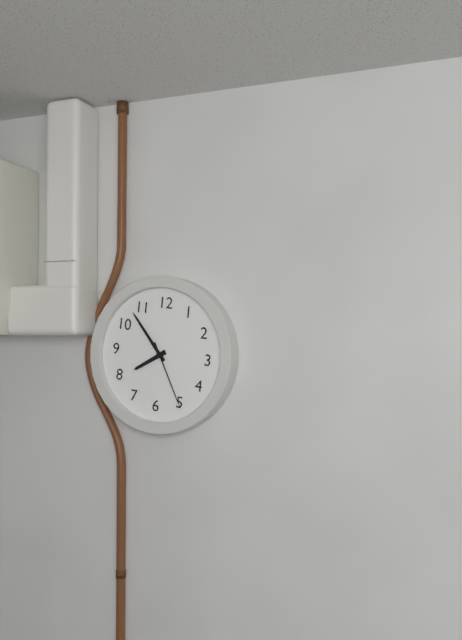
7:53:25
